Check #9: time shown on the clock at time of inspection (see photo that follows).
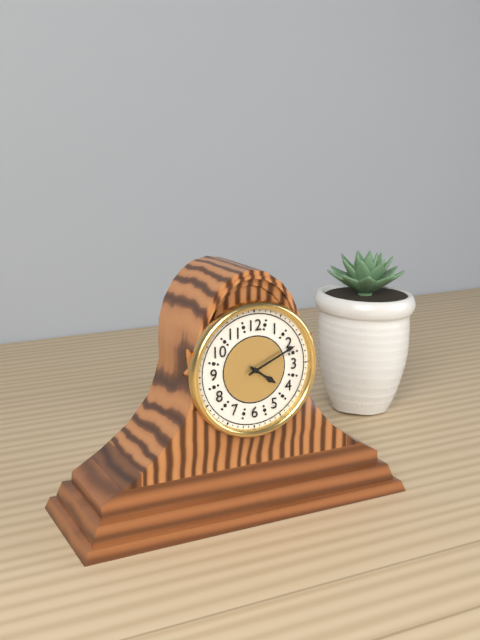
4:11
